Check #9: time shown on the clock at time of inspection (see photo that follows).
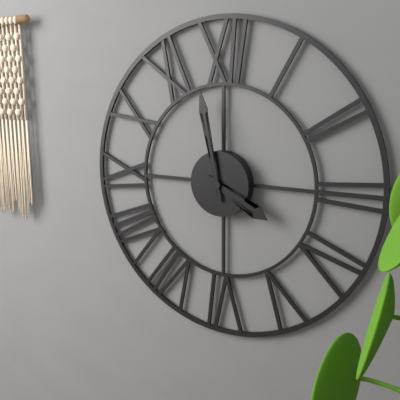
3:58
